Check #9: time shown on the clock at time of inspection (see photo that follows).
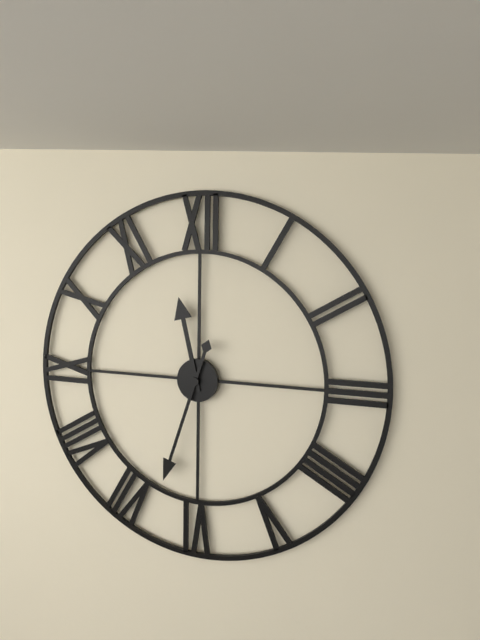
11:33
